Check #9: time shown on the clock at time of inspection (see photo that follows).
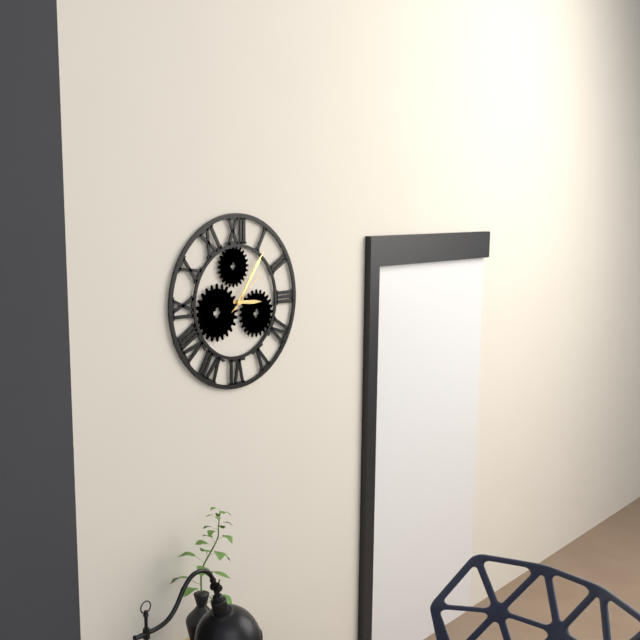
3:06
